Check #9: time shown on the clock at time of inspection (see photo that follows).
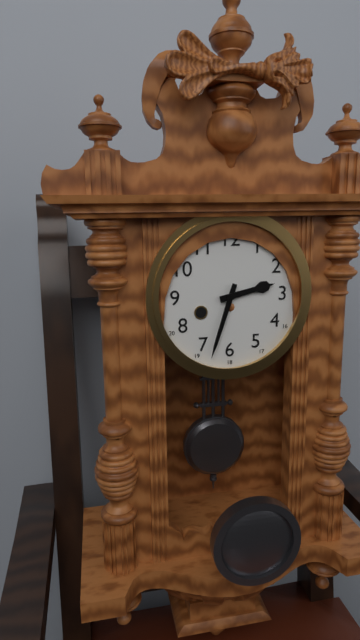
2:33
